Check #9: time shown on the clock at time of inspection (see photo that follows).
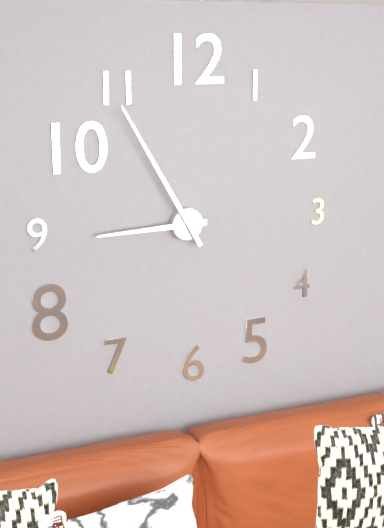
8:55
